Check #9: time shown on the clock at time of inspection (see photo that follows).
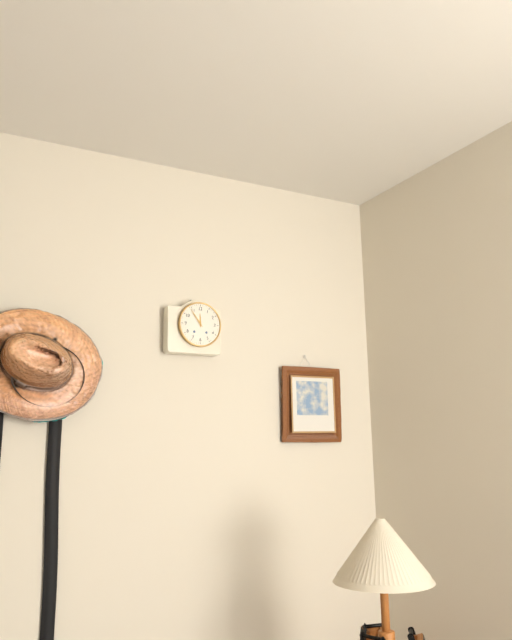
11:54
